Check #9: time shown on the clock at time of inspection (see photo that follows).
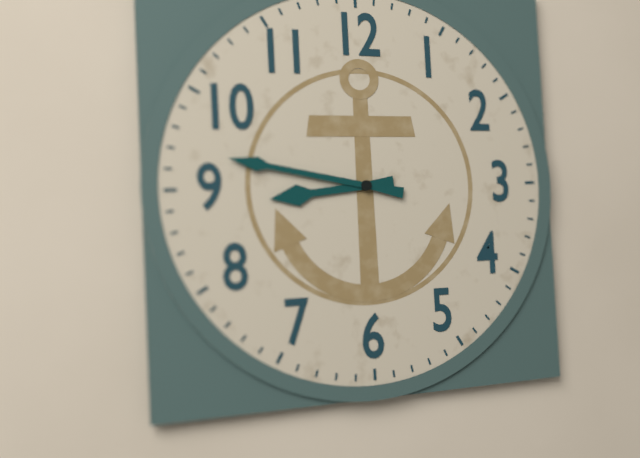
8:47
